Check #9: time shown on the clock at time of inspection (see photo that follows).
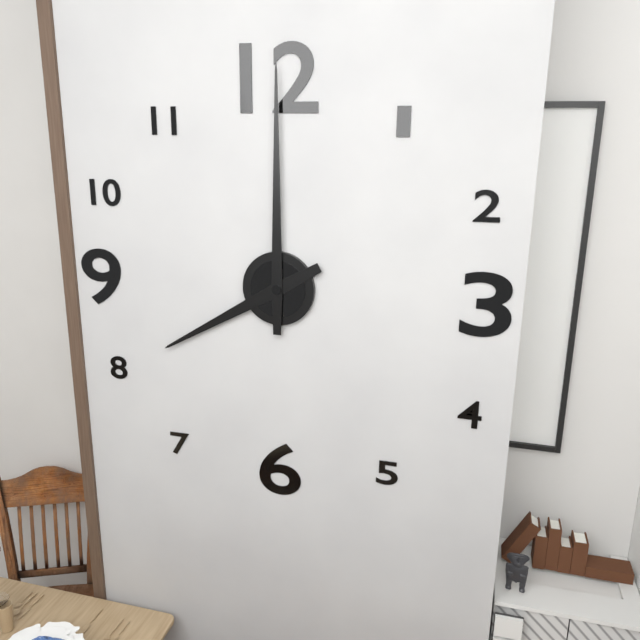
8:00
